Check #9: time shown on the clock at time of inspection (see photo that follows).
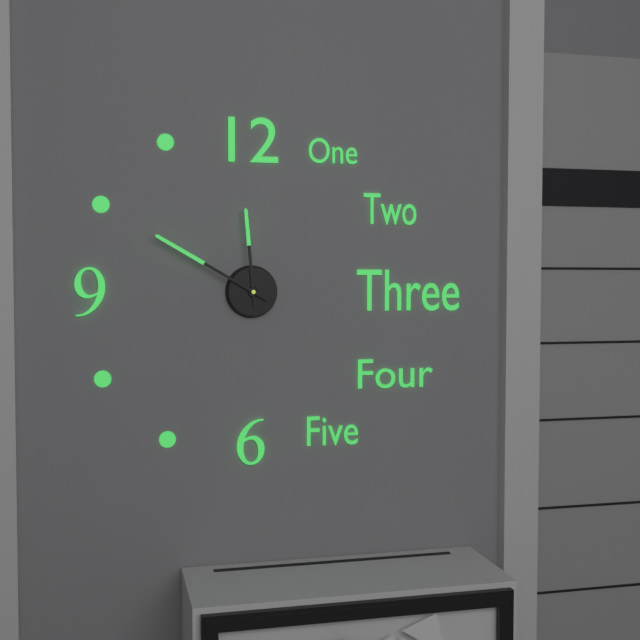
11:50
